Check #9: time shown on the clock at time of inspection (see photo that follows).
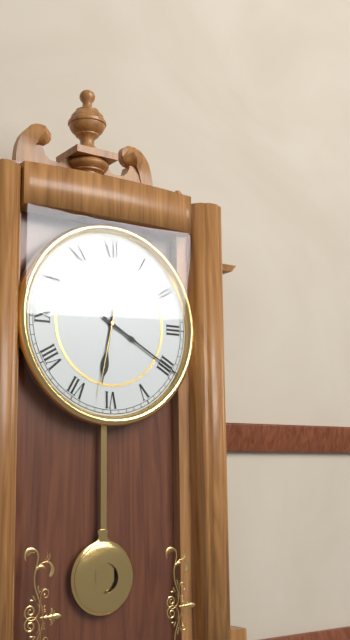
6:20:32
